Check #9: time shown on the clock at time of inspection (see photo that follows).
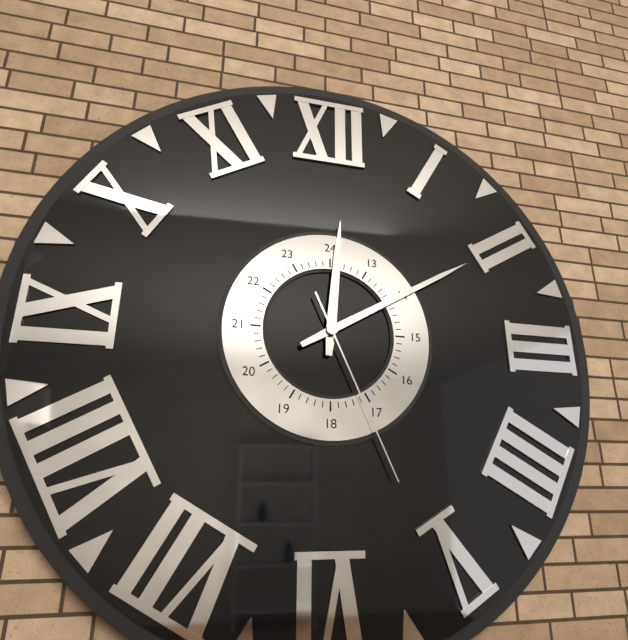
12:10:26
